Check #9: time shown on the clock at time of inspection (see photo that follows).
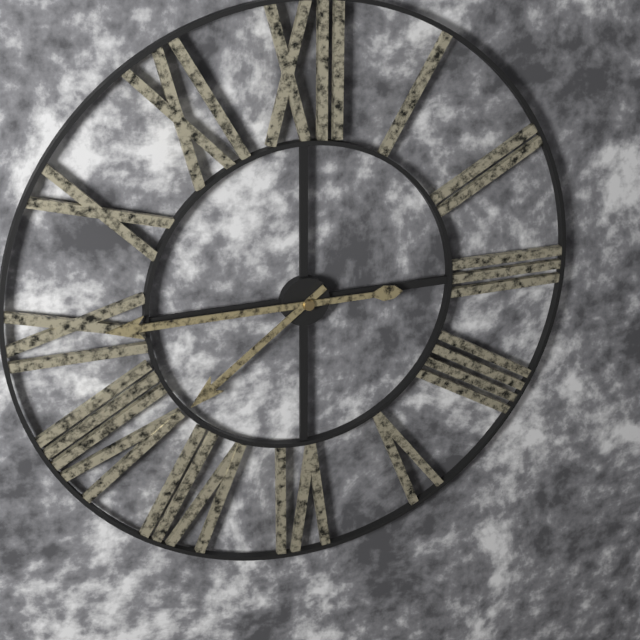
7:45
